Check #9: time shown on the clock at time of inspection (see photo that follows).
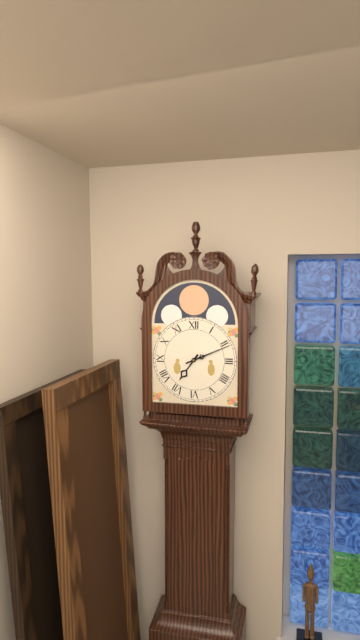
7:11
